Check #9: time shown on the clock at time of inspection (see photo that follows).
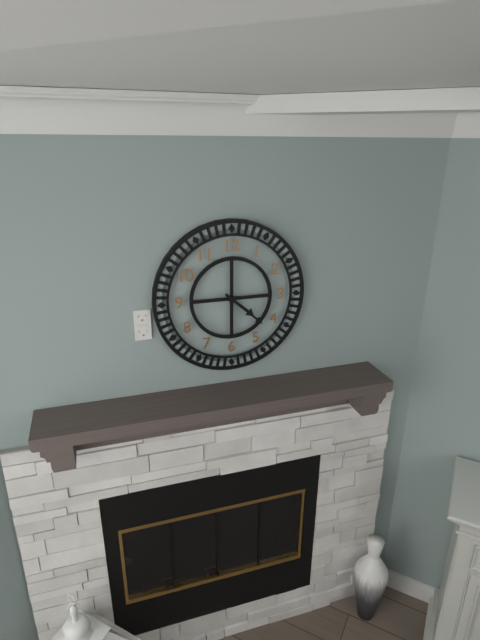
4:22
